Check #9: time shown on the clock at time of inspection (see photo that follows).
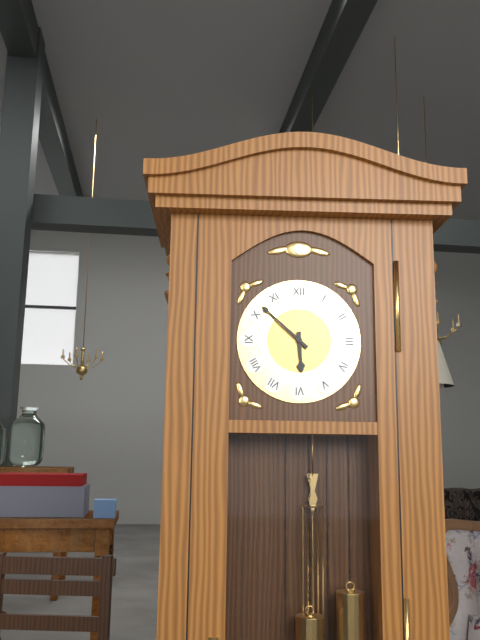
5:52
